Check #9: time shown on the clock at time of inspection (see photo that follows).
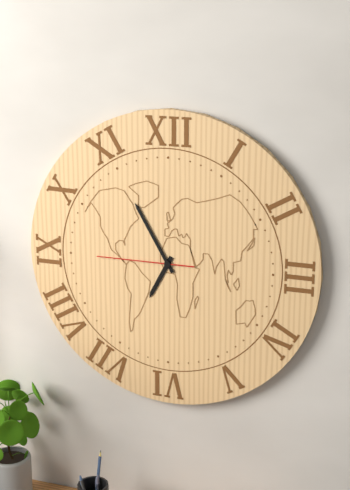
6:55:45
